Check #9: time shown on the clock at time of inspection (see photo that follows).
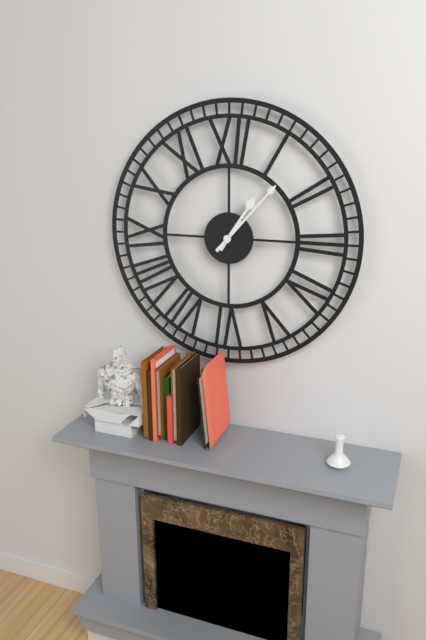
1:07
